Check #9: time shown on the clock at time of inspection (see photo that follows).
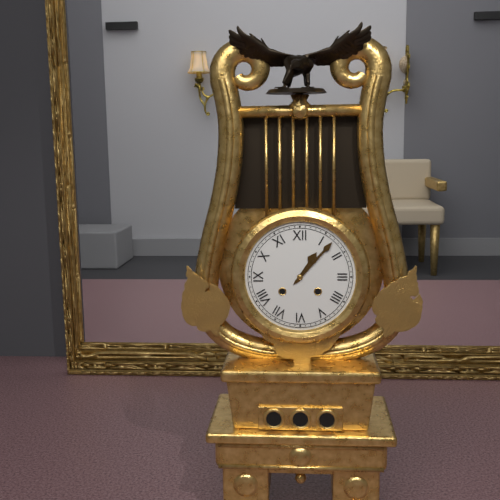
1:07
